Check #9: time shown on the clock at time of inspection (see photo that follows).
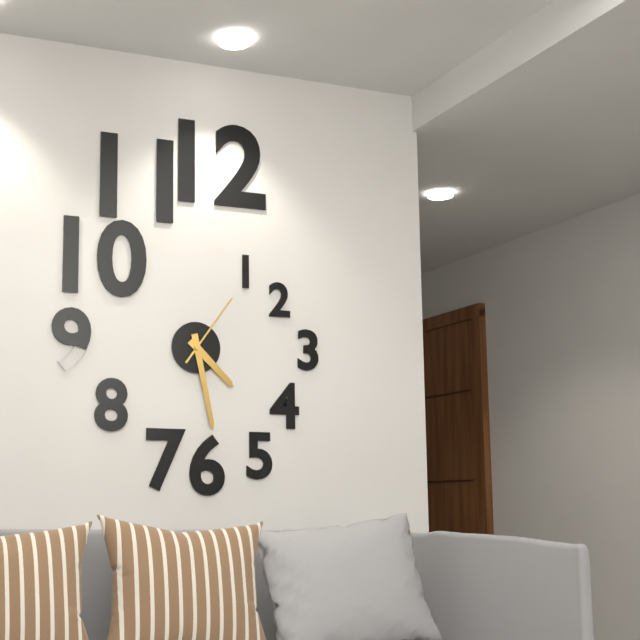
4:28:06
